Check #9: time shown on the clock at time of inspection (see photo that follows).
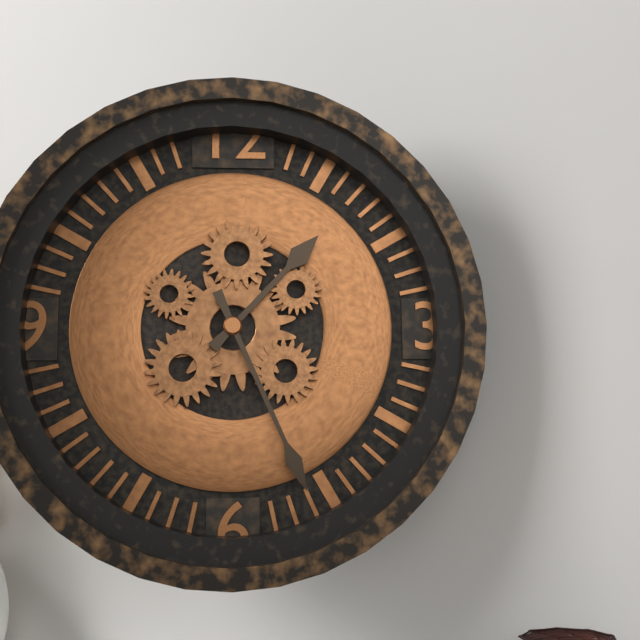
1:26
